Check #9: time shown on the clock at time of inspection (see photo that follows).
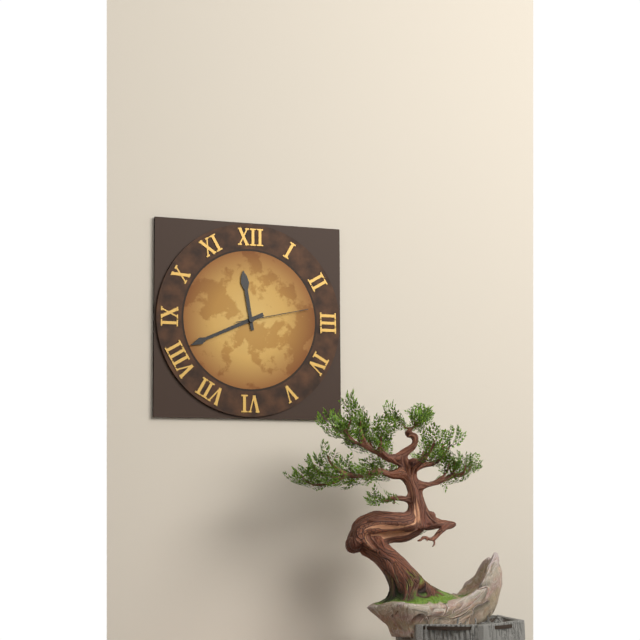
11:41:13
